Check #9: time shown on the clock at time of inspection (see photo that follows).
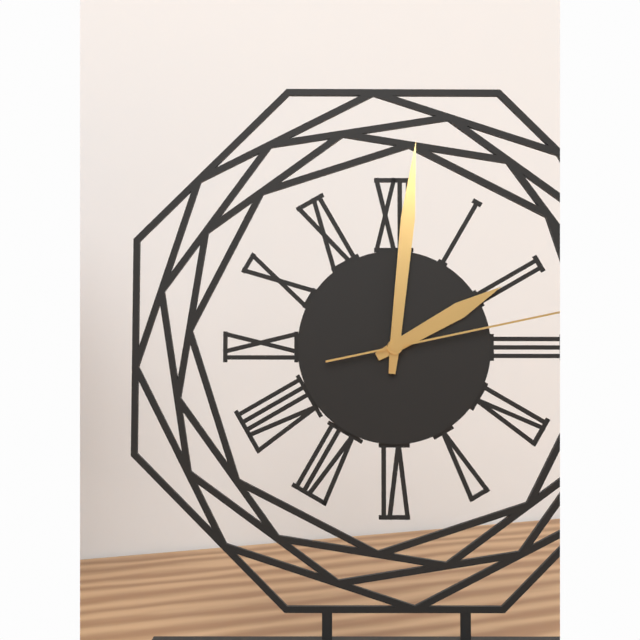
2:01:13
